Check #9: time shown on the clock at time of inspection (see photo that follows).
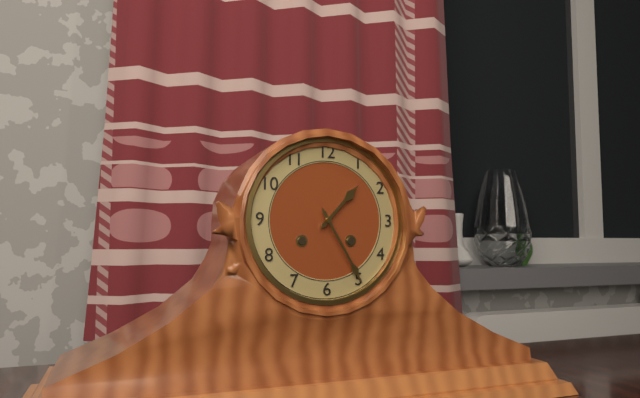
1:25
